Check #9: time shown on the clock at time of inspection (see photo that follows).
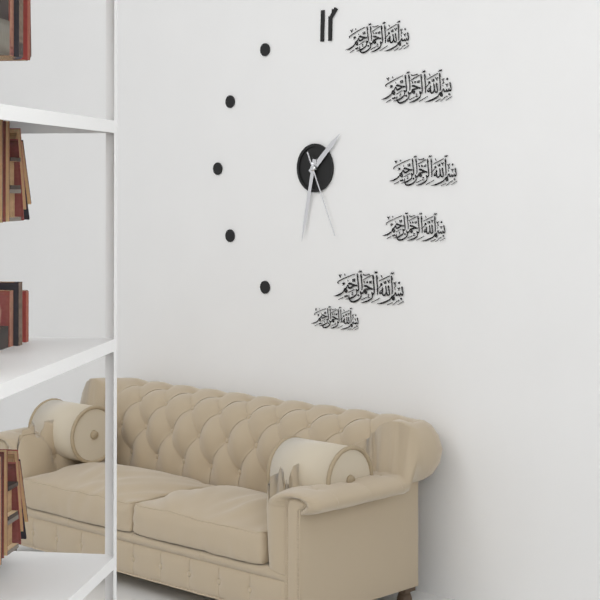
1:32:26
